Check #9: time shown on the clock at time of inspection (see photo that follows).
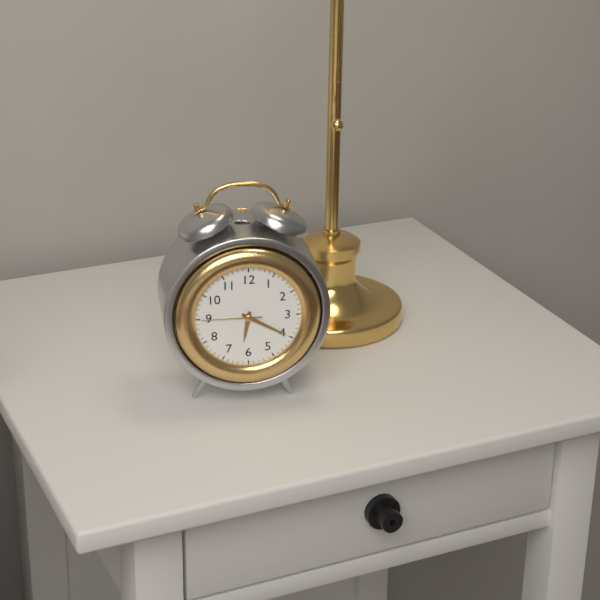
6:20:45
